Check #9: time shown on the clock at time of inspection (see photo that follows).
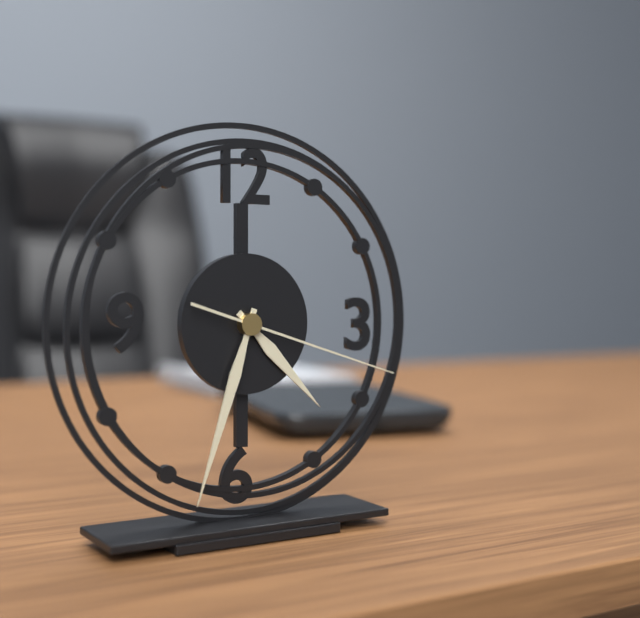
4:33:18
